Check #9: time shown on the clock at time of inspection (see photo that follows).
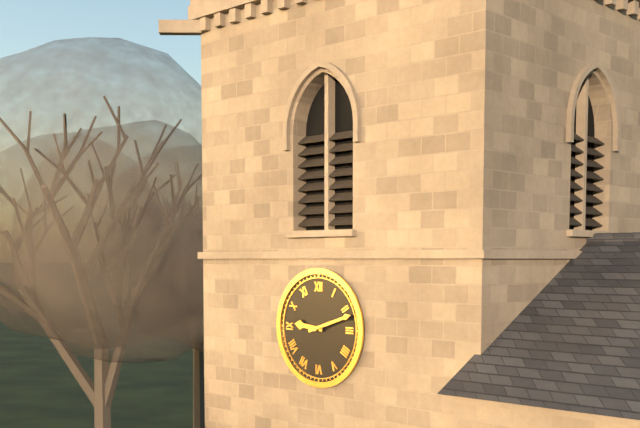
9:12
